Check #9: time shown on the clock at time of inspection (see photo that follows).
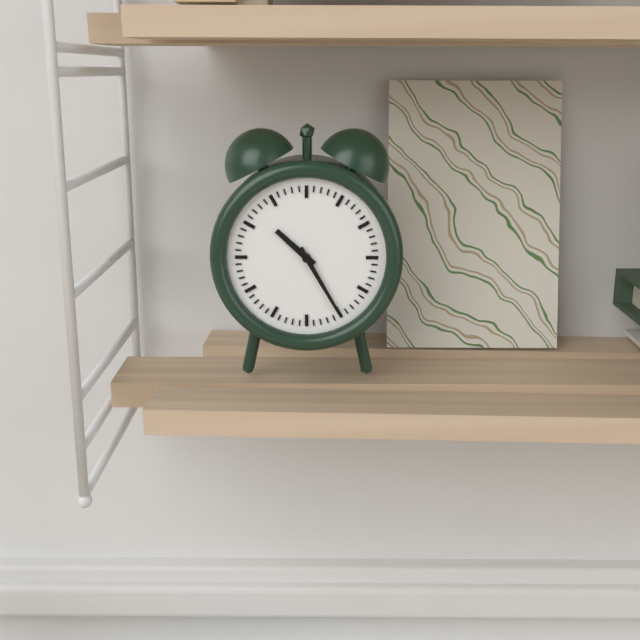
10:25
